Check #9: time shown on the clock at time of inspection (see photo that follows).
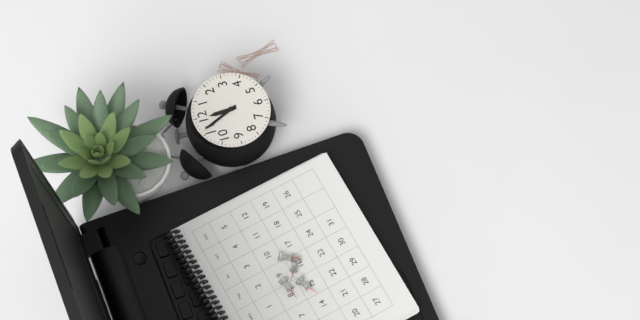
11:56
